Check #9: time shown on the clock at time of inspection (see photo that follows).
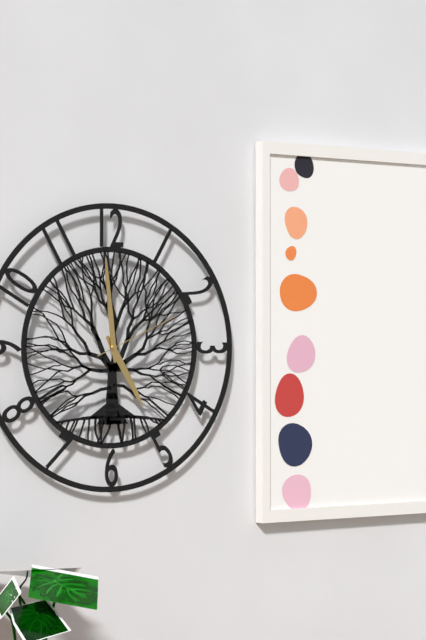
4:59:11
